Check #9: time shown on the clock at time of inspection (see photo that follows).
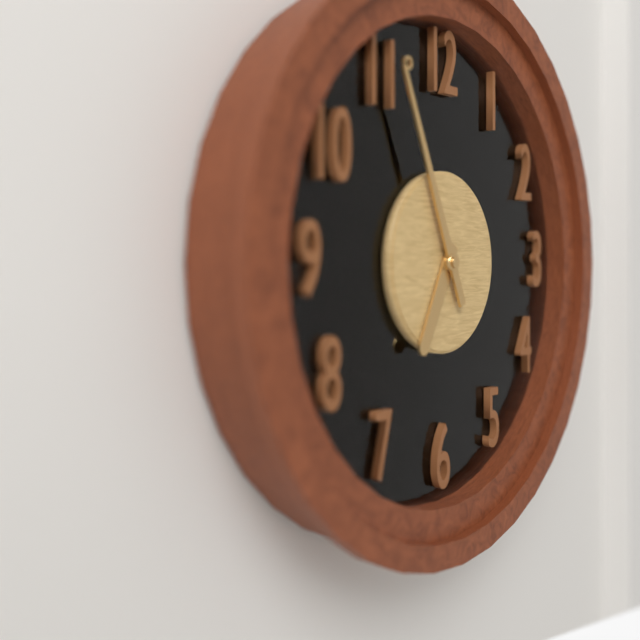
6:56
